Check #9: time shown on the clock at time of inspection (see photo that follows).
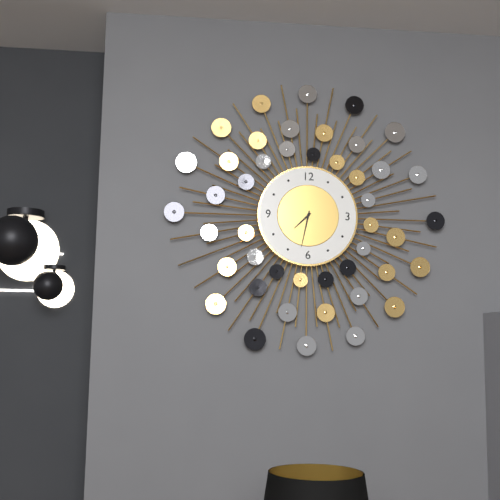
7:32
